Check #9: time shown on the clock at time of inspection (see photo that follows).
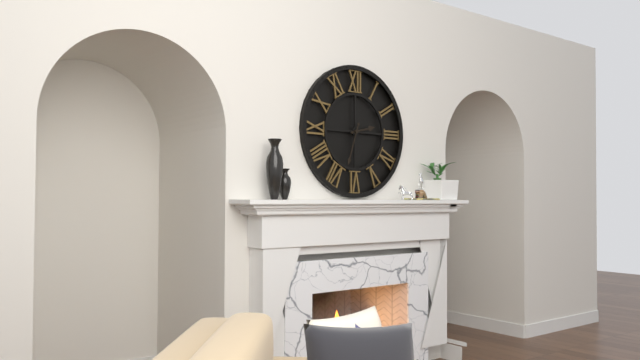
2:33
